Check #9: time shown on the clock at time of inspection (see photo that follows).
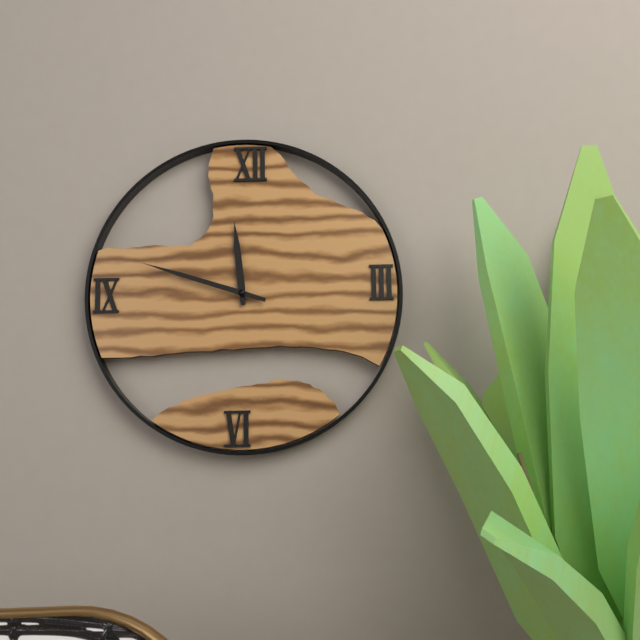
11:48
